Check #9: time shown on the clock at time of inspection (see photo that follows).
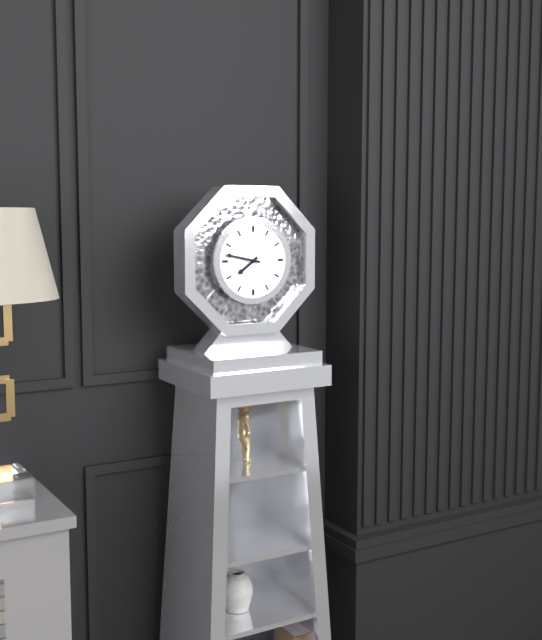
7:47
